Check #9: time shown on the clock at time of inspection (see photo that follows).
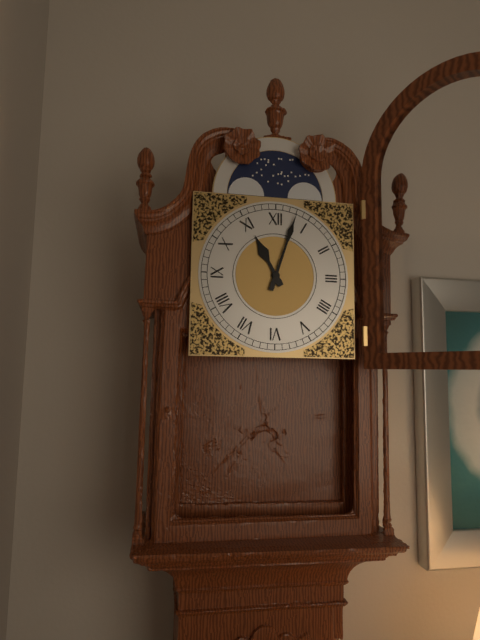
11:03
